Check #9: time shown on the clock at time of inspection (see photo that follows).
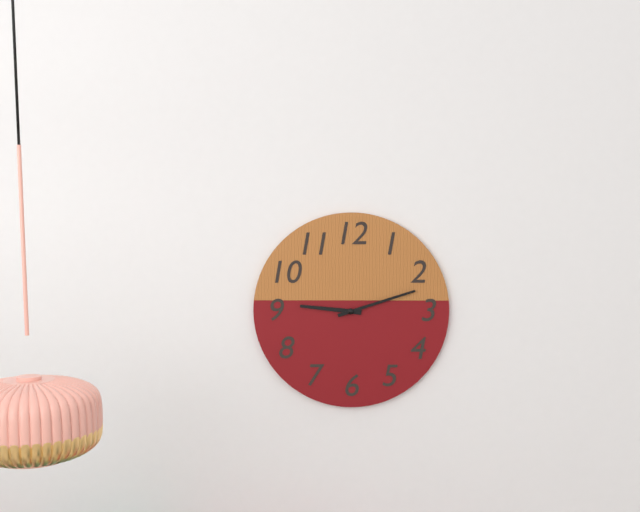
9:12
